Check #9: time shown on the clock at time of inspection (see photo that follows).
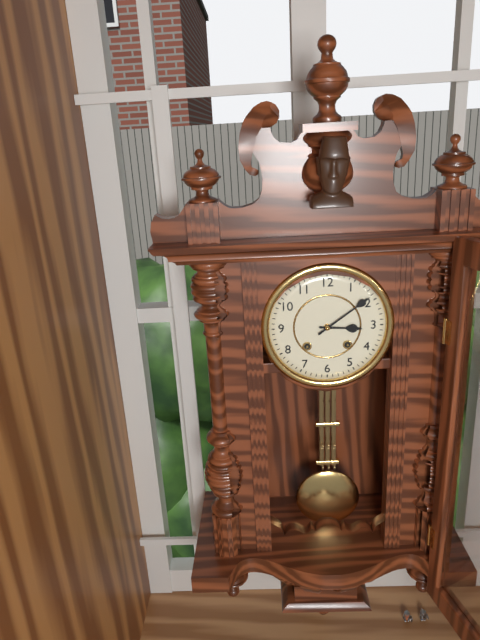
3:09
